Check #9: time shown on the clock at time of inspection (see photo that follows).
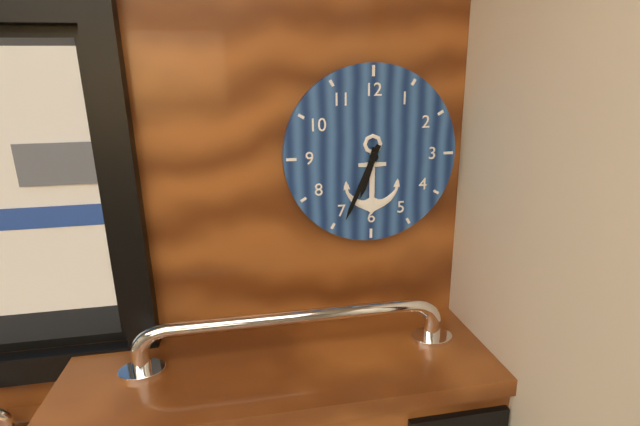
6:34
